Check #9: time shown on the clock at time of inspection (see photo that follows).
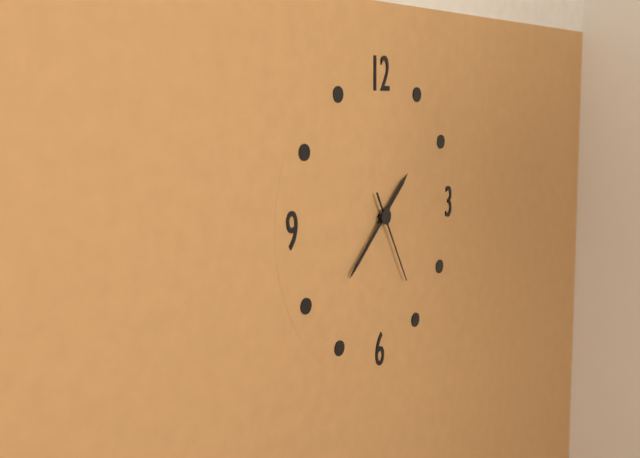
1:38:25
